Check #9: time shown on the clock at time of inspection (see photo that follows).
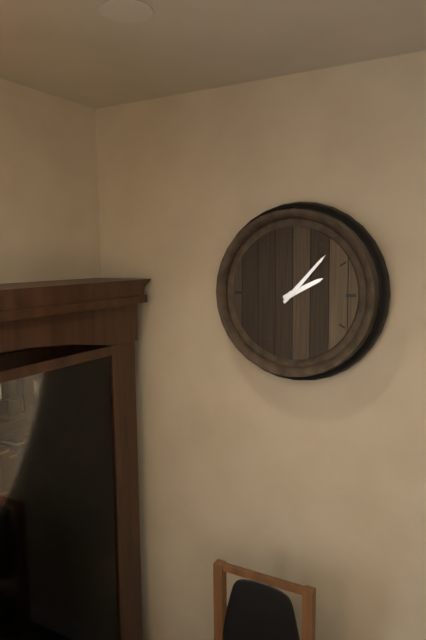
2:07
